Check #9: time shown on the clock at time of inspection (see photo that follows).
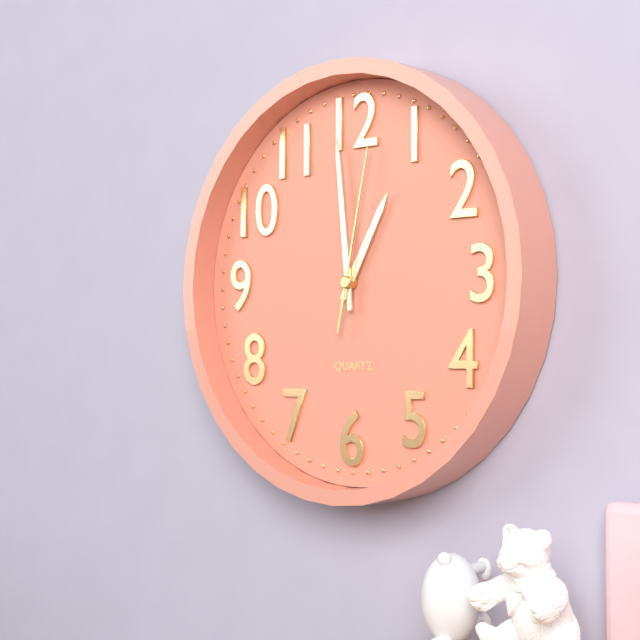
12:59:02
